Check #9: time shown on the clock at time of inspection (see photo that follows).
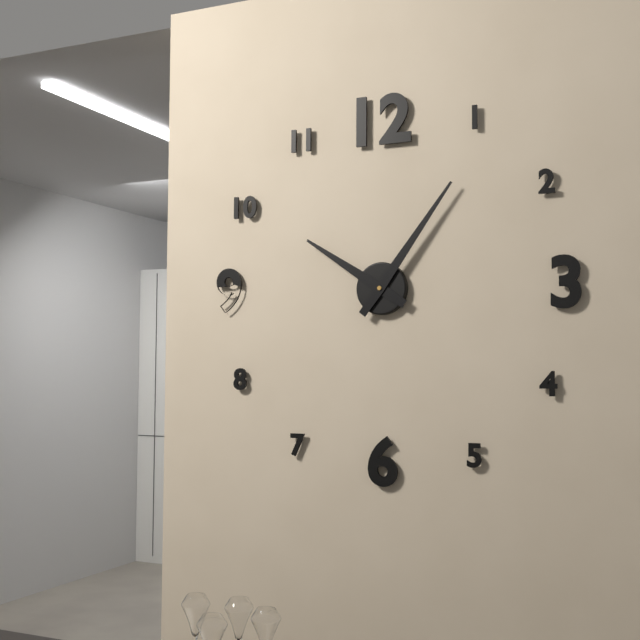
10:06
